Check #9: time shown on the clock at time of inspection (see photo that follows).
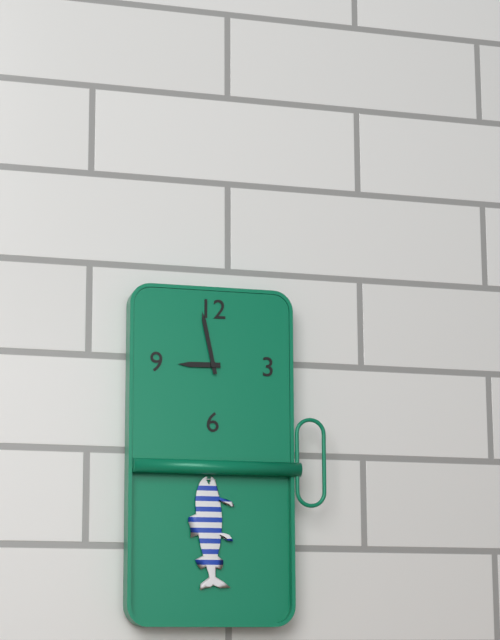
8:58
